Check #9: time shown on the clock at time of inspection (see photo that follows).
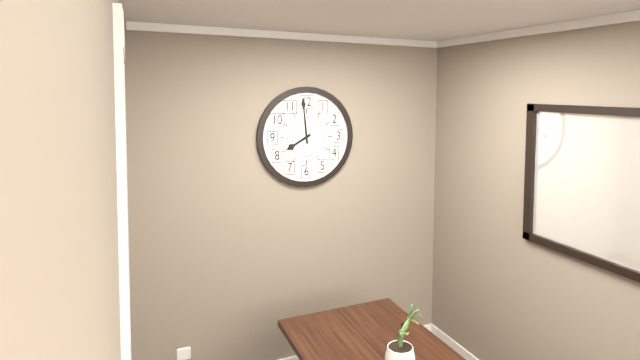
7:59
